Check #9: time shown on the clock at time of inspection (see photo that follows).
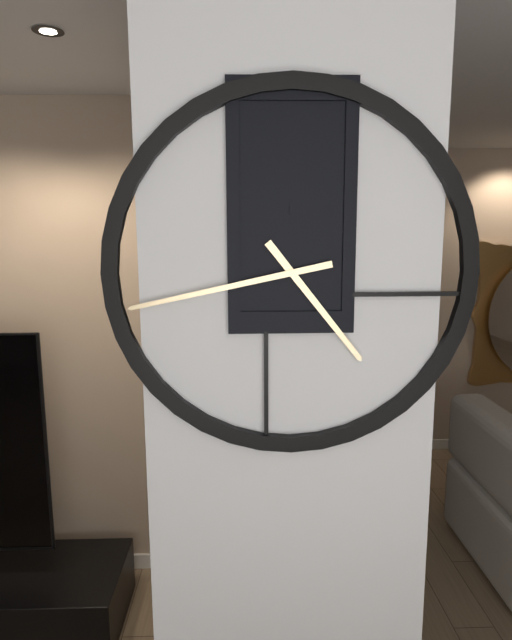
4:43
